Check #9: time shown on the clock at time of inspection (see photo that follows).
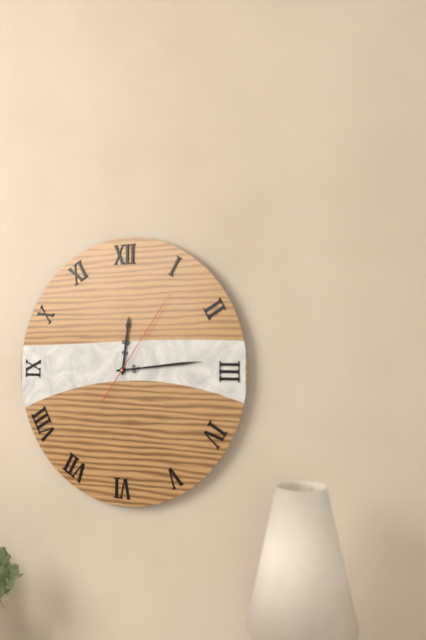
12:14:06
